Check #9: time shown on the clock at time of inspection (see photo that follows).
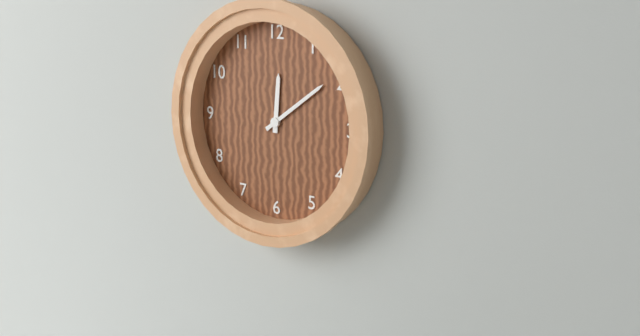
12:09
